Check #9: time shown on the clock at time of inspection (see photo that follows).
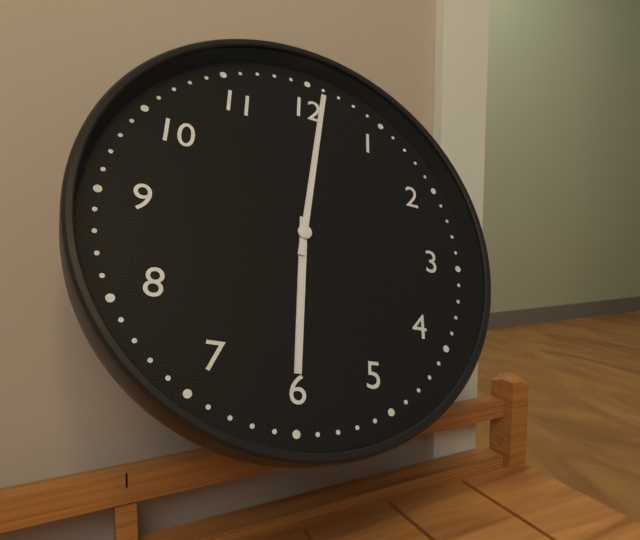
6:01
